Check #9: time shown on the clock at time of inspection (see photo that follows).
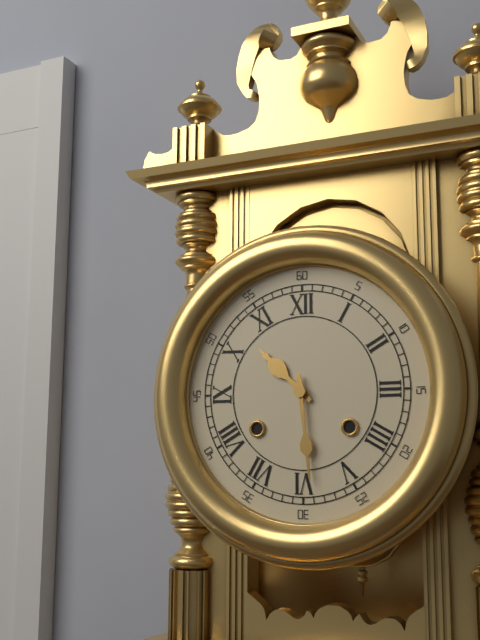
10:29
